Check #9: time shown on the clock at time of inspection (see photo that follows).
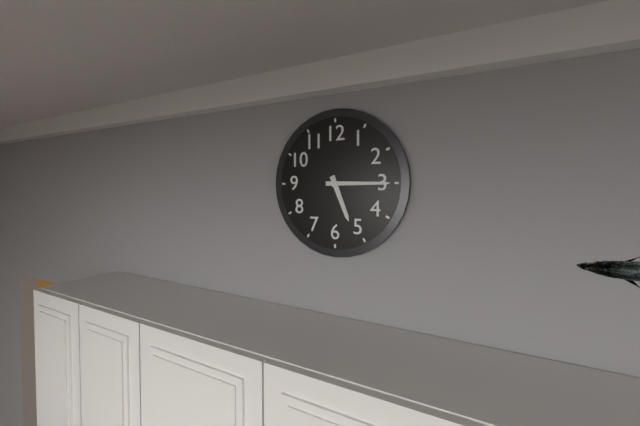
5:15
